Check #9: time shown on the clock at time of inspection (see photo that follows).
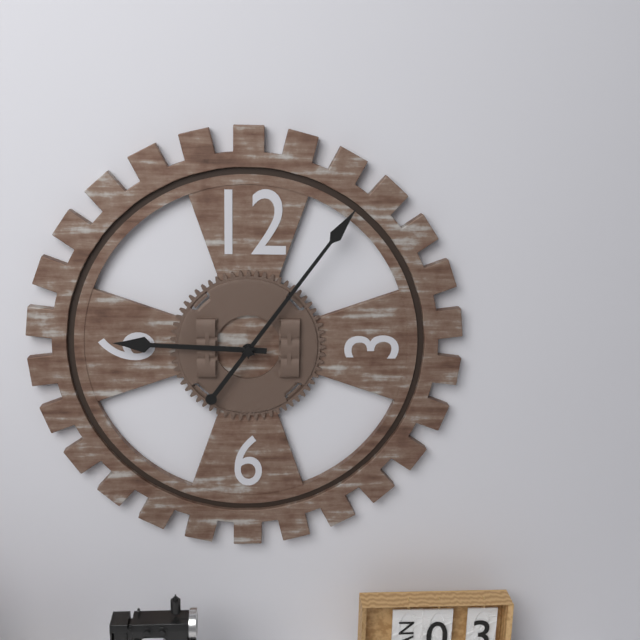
9:06
